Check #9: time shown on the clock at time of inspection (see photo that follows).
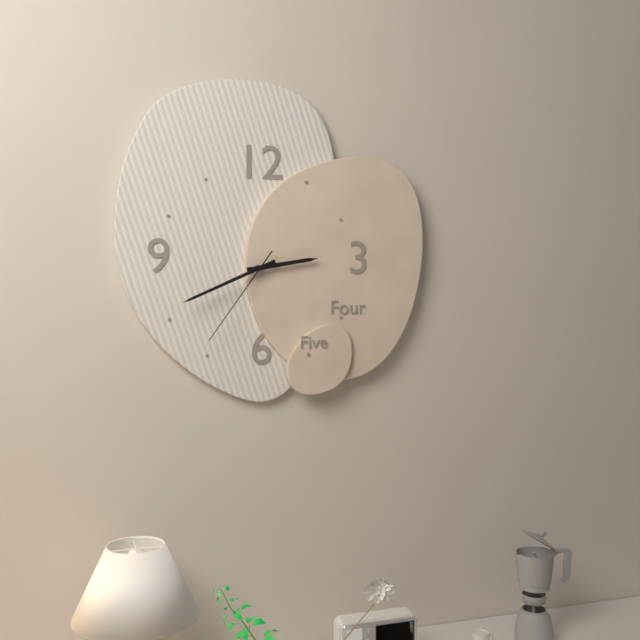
2:41:36
